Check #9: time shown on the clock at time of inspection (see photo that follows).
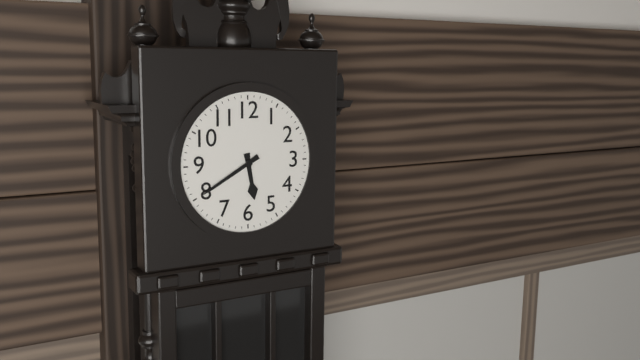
5:40
